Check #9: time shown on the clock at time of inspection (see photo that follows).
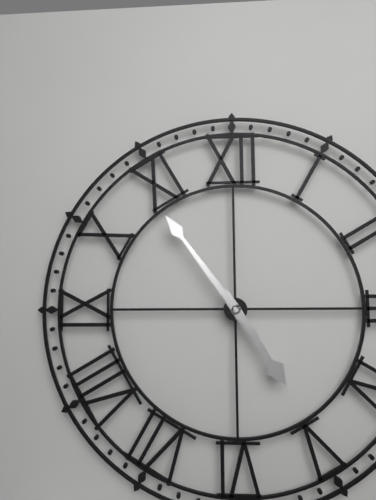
4:54
